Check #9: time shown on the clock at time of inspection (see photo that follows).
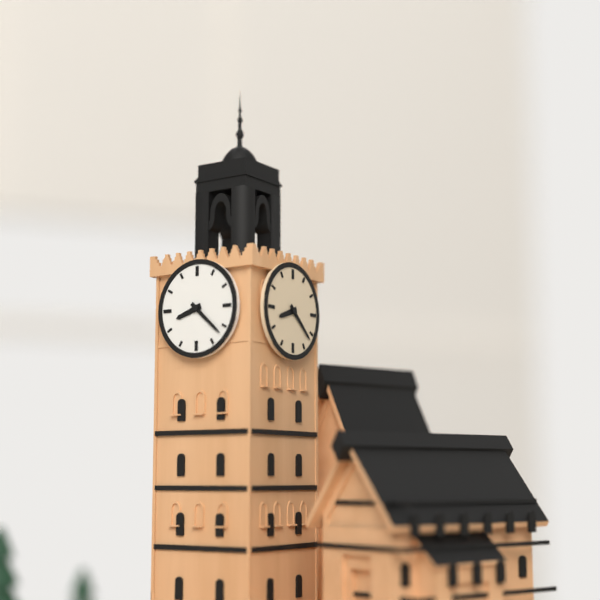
8:22
